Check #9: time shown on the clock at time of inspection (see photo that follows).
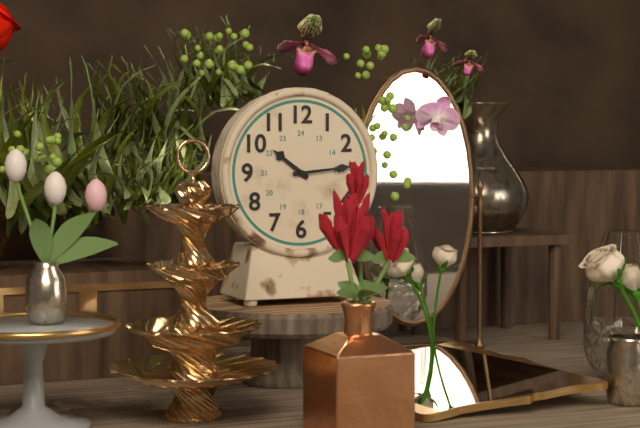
10:14
